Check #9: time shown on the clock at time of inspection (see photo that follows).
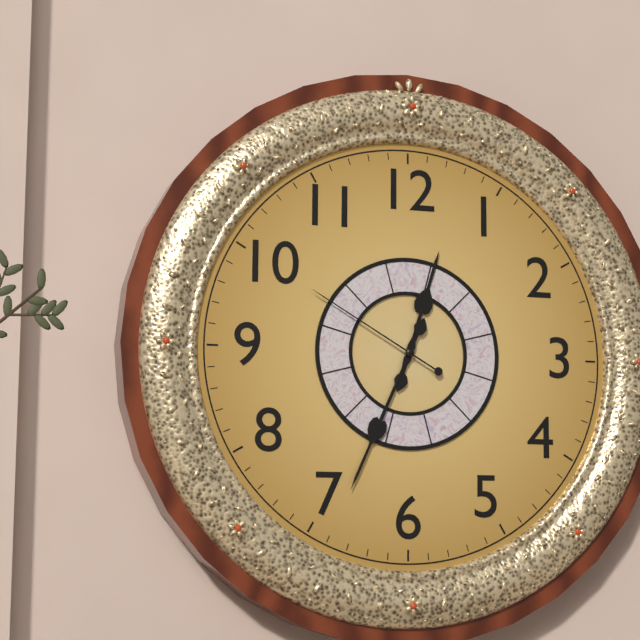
12:34:50
